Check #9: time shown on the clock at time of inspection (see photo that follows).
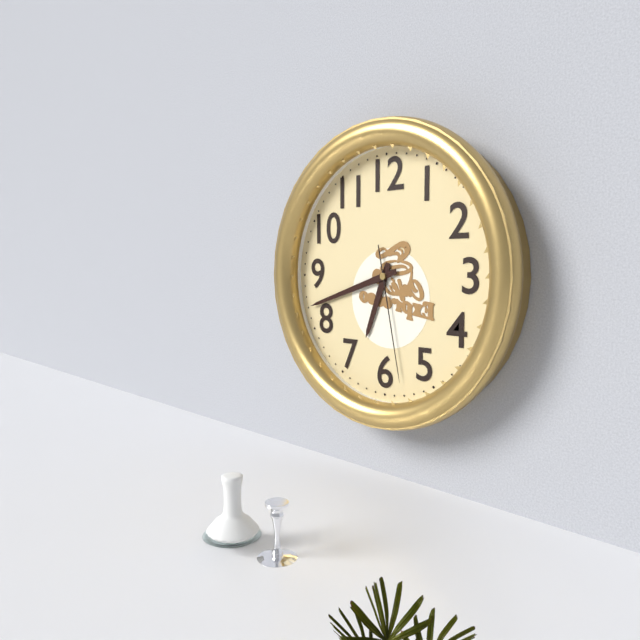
6:42:28
